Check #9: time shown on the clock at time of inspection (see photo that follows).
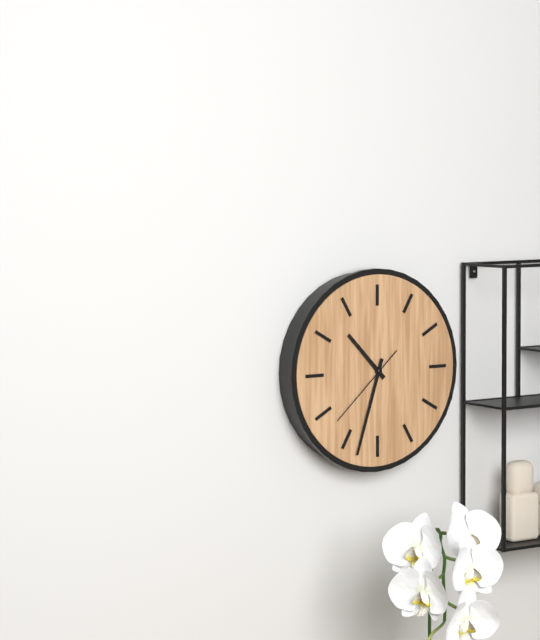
10:33:38
